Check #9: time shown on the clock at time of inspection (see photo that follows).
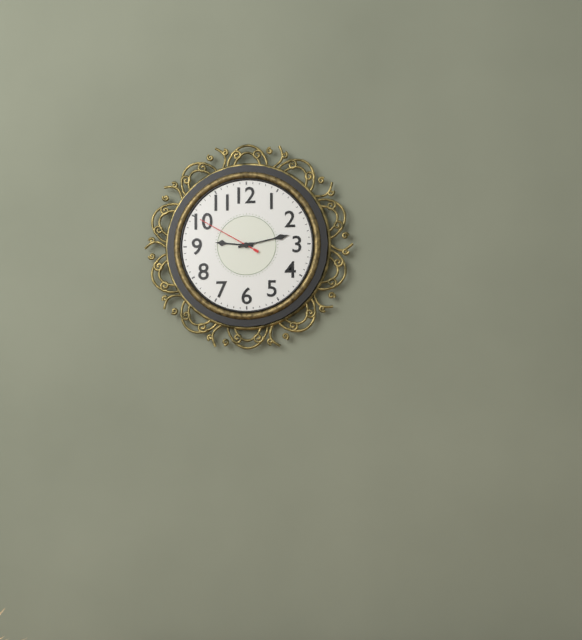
9:13:50
